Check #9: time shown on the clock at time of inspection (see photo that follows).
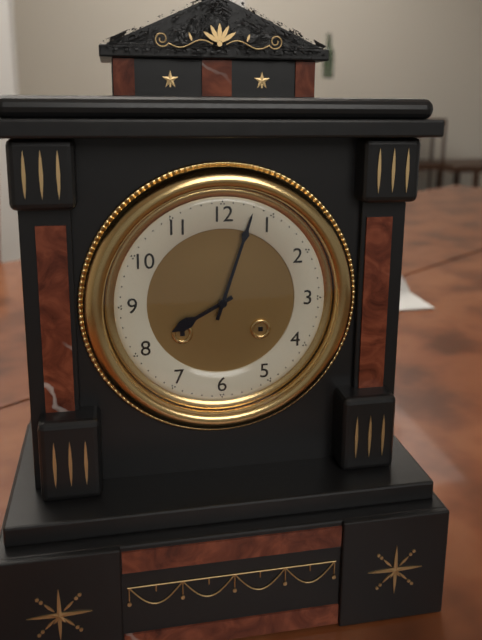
8:03
